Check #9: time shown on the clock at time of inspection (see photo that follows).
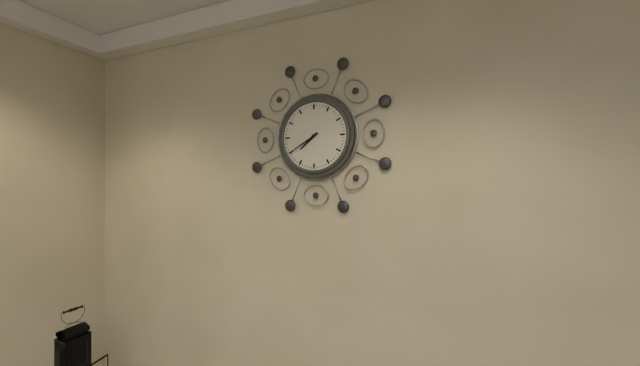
7:40
